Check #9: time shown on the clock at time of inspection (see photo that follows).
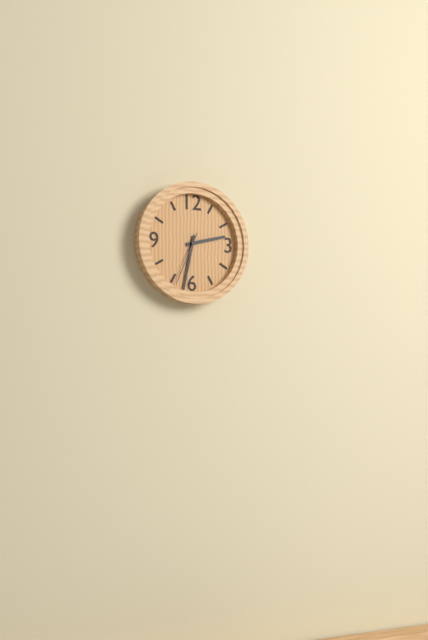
2:32:34
